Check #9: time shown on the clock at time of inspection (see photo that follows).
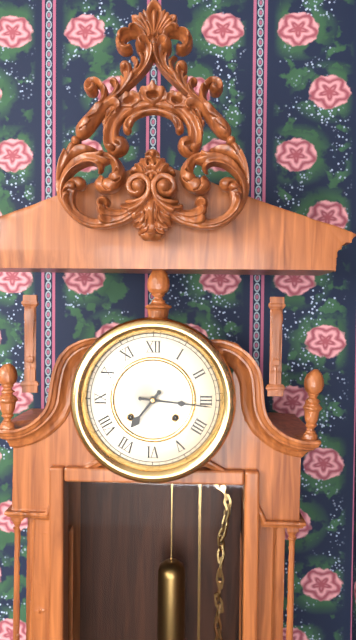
7:16
